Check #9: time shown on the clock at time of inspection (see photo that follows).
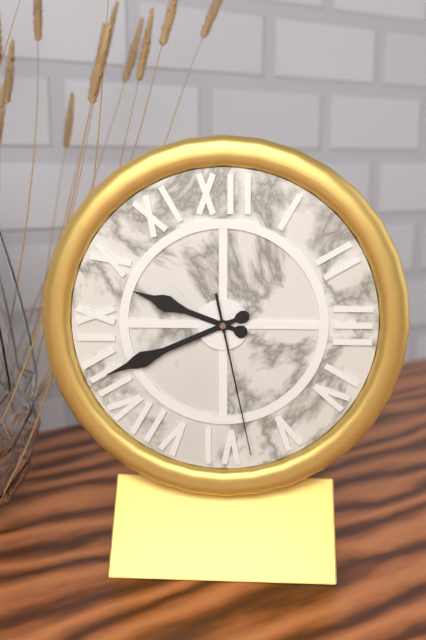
9:41:28
